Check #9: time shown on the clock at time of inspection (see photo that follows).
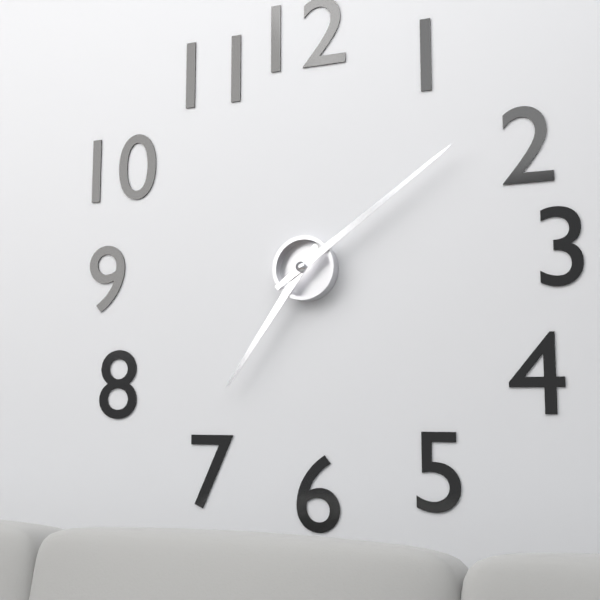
7:09
